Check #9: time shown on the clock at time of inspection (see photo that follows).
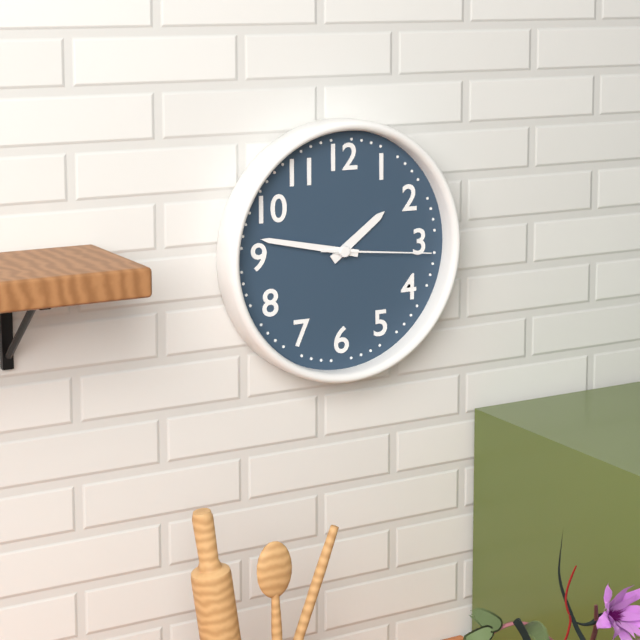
1:47:16
